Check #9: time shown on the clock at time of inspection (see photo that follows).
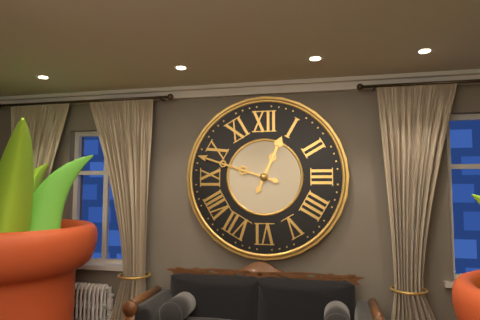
12:48
